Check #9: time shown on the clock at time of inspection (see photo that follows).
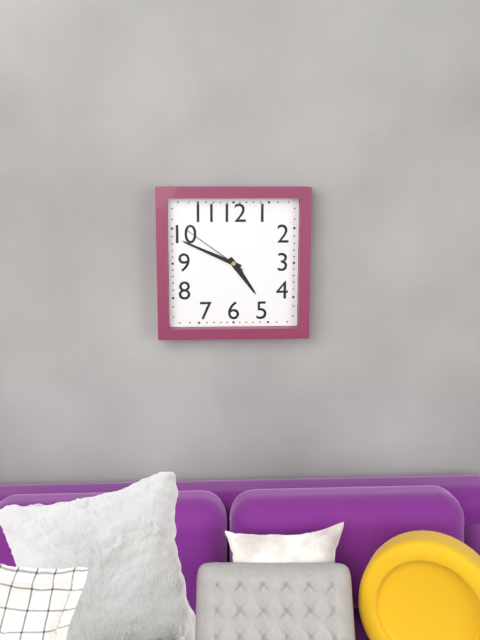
4:49:51
